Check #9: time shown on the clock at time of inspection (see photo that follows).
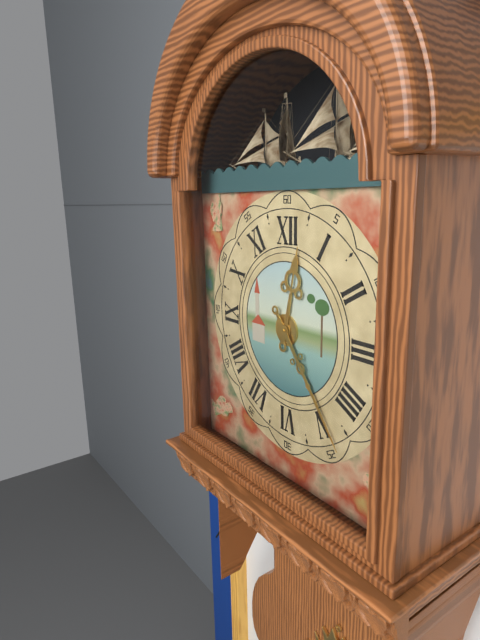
12:24
